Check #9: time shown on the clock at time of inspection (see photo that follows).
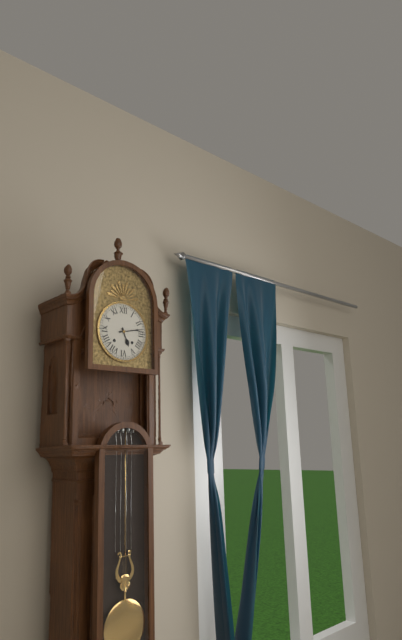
5:13
